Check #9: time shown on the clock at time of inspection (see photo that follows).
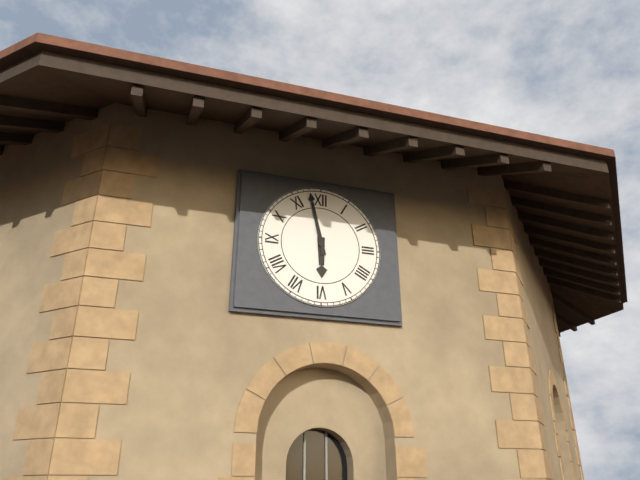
5:58
